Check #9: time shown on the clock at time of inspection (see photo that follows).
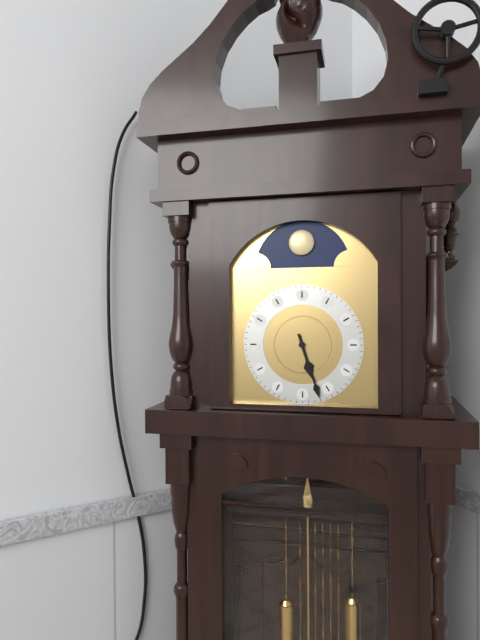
5:27
